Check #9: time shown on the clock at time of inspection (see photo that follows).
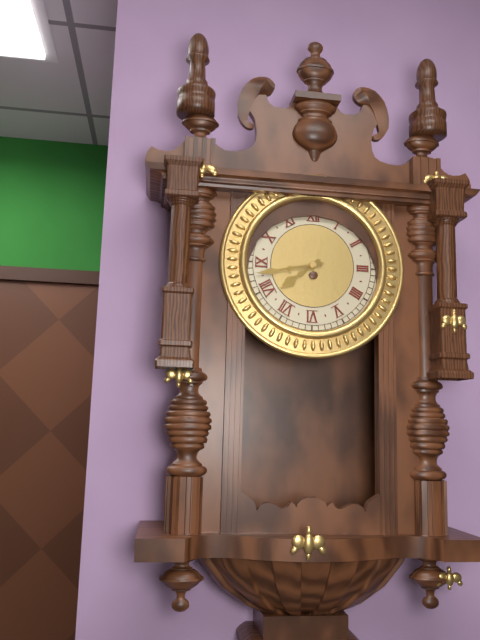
7:43
